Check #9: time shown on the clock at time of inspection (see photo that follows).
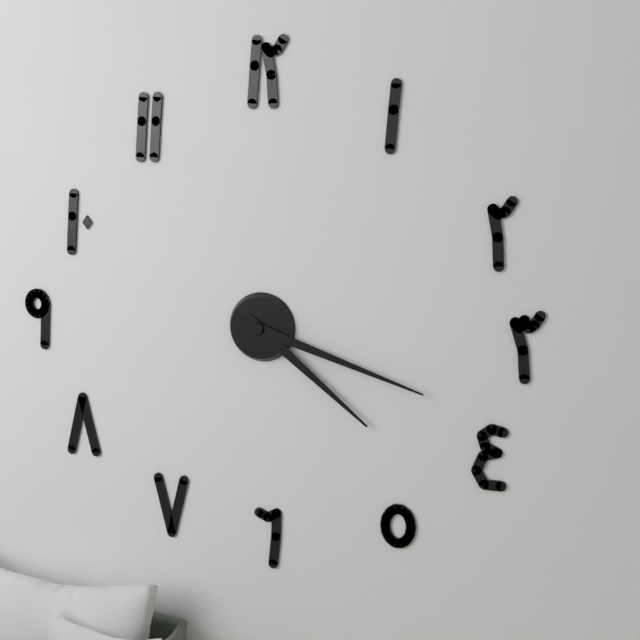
4:18
